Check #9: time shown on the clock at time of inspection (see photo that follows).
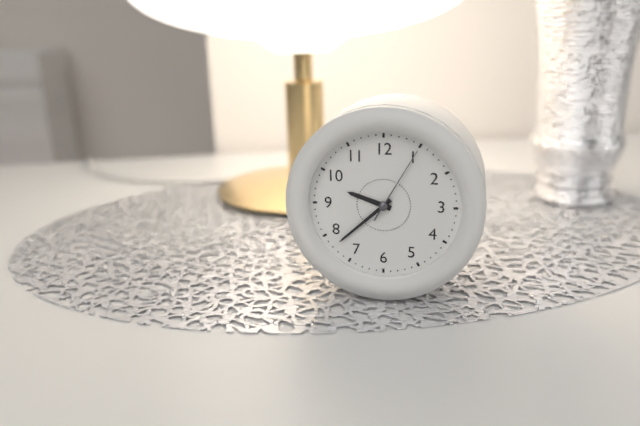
9:38:05
